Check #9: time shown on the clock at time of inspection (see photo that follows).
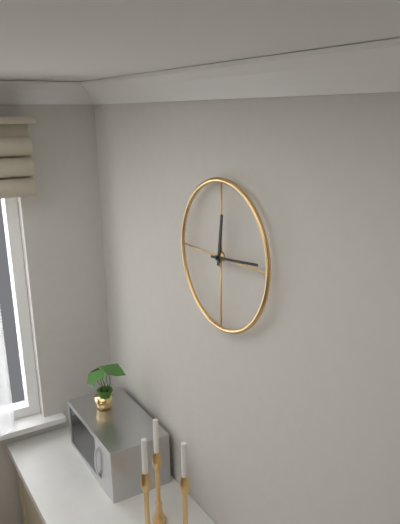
12:14
